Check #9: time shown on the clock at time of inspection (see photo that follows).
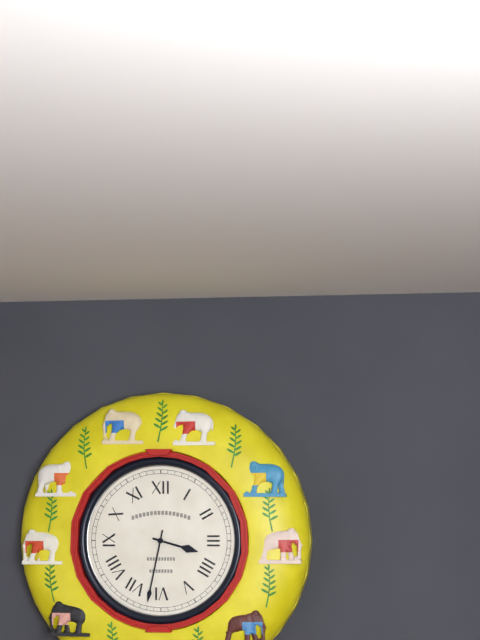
3:32
